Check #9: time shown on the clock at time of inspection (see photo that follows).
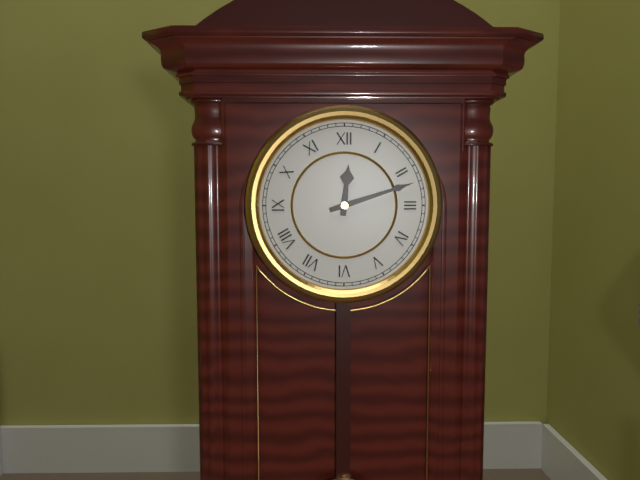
12:12
